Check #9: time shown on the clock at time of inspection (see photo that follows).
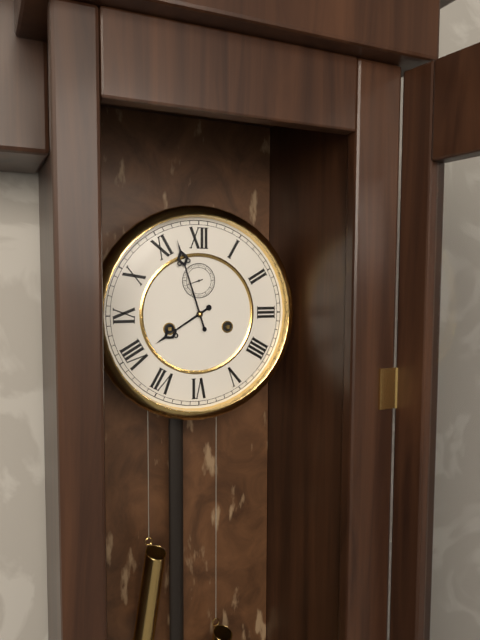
7:57
